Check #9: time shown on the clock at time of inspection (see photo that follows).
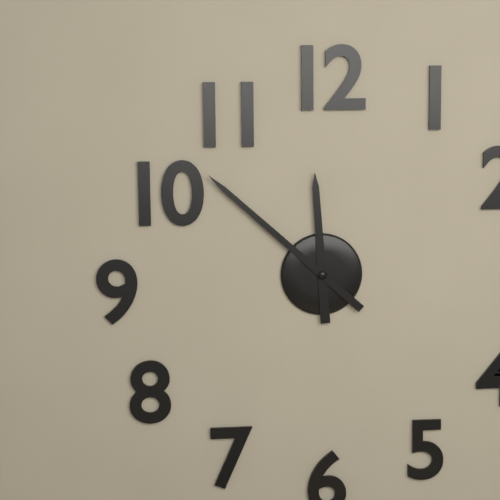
11:52
